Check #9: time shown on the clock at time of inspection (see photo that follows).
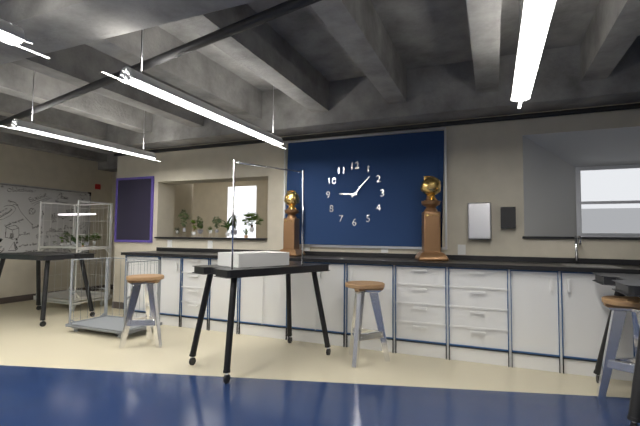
9:07
